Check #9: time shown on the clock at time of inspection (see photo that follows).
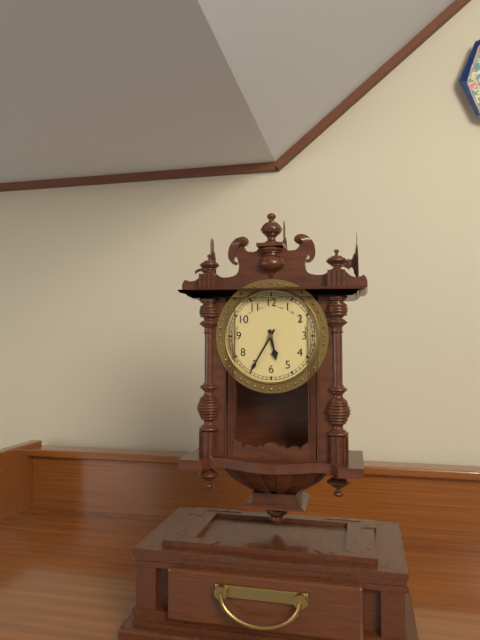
5:35
